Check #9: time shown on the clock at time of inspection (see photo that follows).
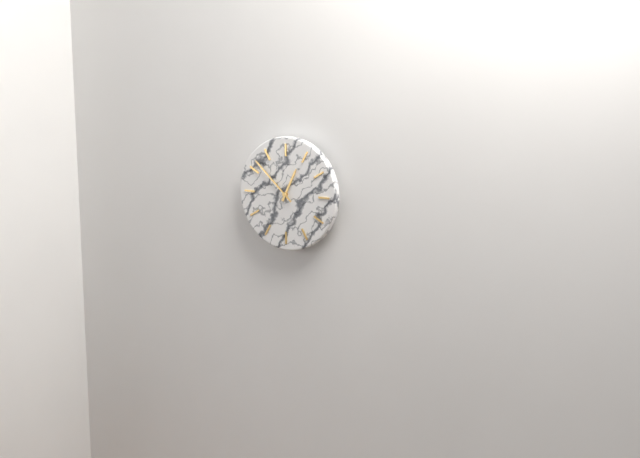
12:52
